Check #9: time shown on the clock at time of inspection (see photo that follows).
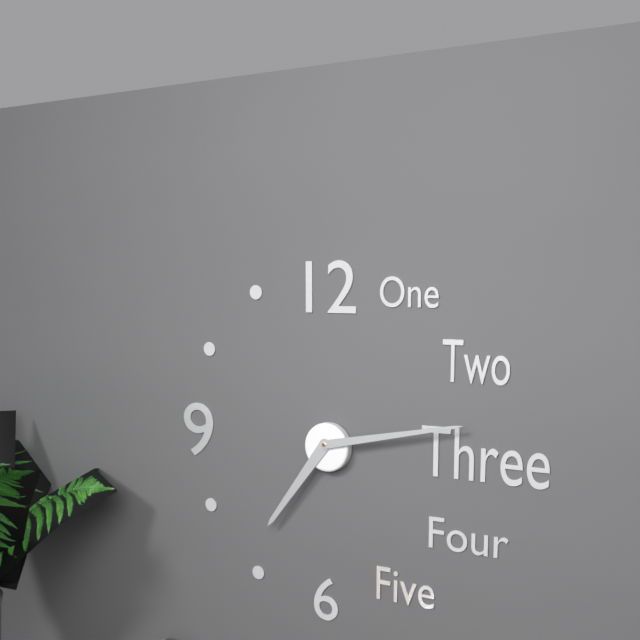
7:13
